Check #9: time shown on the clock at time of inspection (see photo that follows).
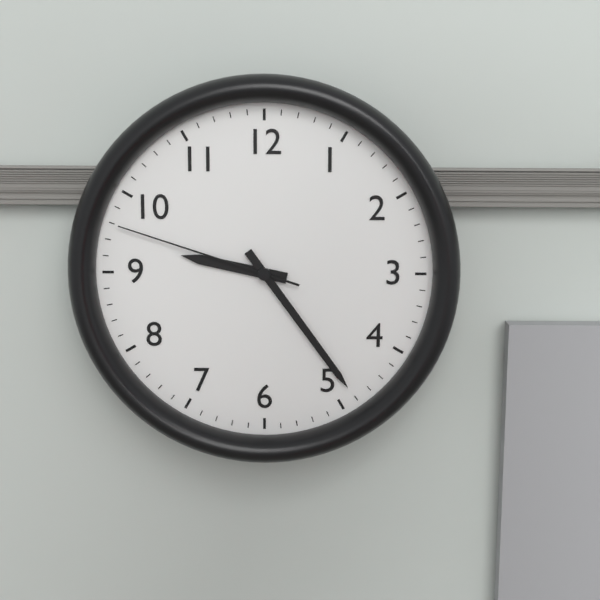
9:24:48
